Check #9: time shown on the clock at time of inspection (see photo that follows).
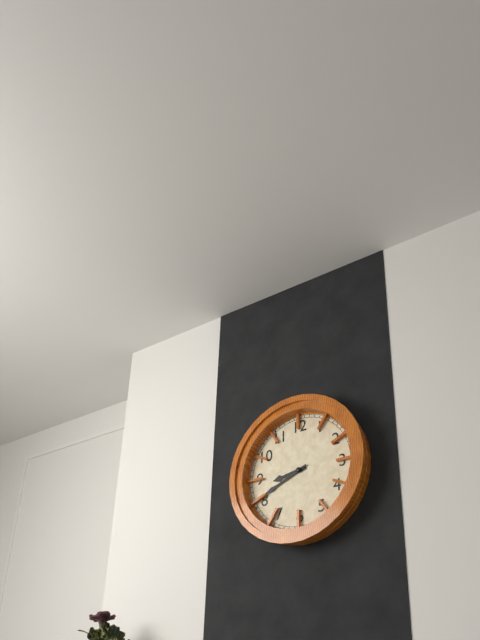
8:41
